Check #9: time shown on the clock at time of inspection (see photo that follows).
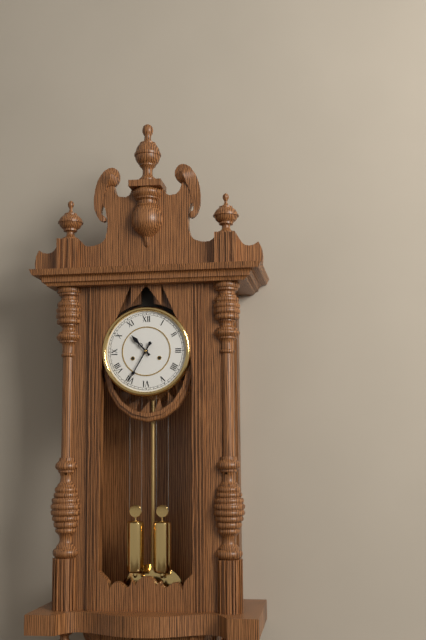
10:35
